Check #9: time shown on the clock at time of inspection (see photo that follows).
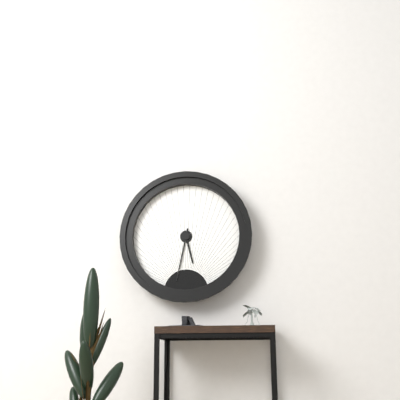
5:32
